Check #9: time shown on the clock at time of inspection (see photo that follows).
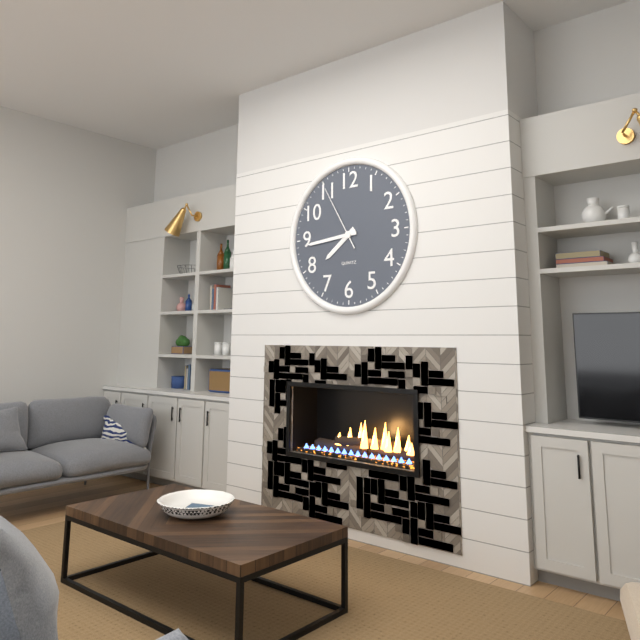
7:44:55
